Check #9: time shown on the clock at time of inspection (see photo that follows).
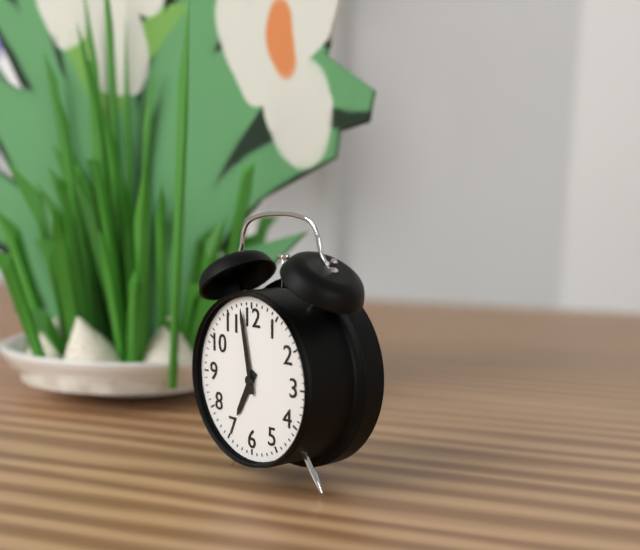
6:58
